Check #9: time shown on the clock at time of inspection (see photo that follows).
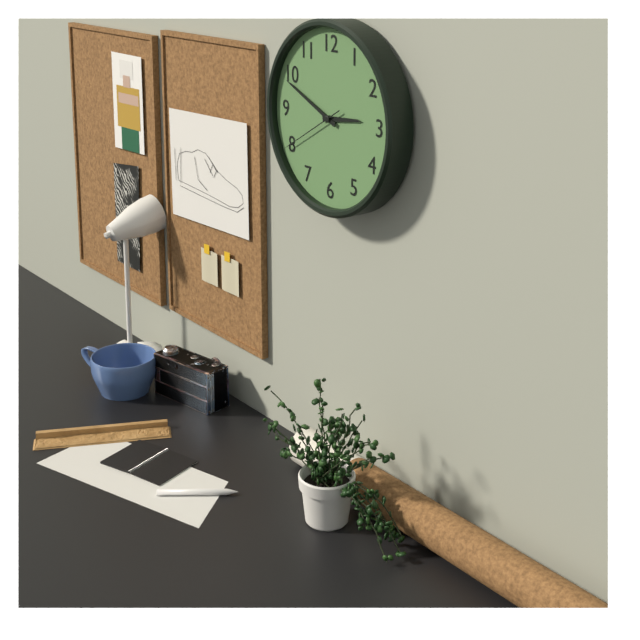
2:49:40
